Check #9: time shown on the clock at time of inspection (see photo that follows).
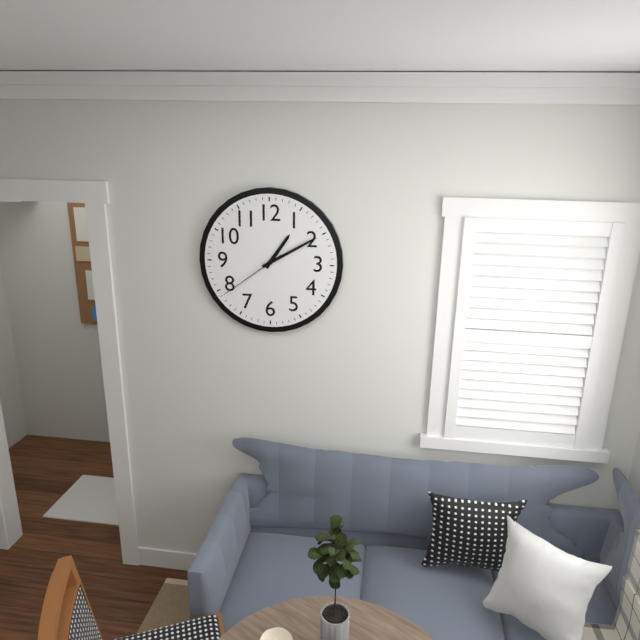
1:10:39
